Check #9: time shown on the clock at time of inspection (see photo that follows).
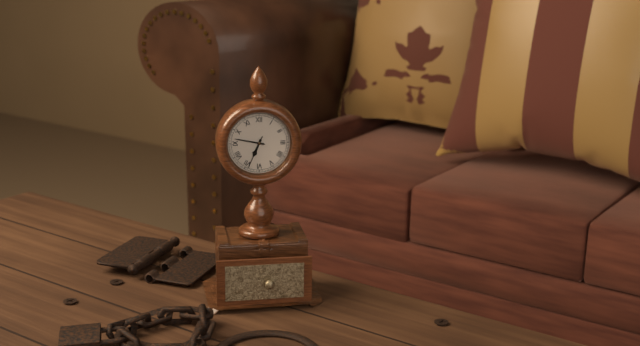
6:47
